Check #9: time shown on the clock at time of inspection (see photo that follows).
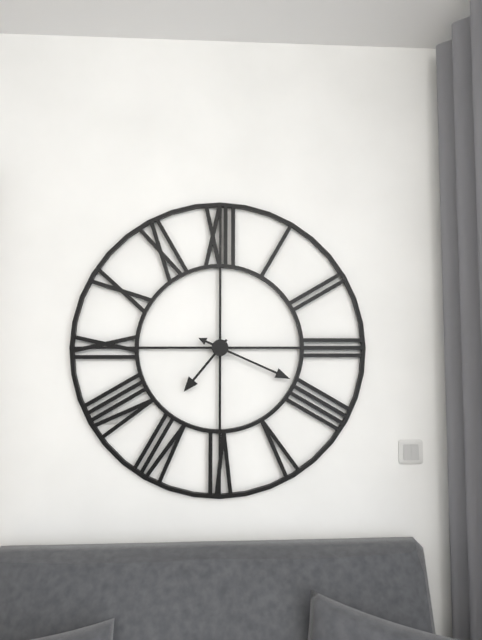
7:19
